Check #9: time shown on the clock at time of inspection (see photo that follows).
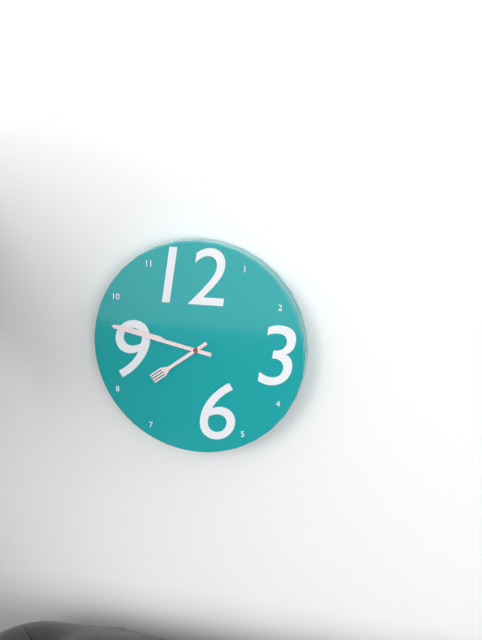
7:47
